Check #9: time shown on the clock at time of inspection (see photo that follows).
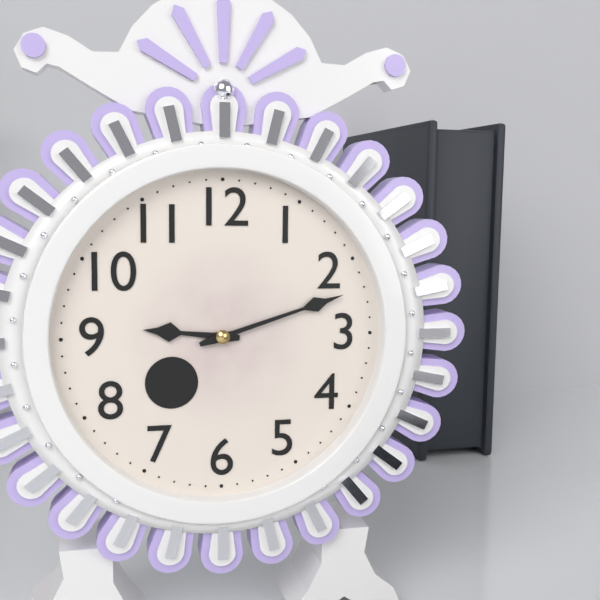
9:12
